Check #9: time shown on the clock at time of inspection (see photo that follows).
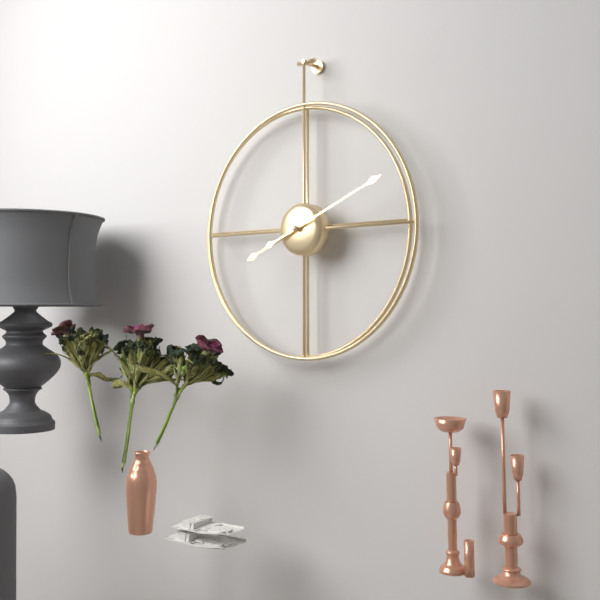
8:11
